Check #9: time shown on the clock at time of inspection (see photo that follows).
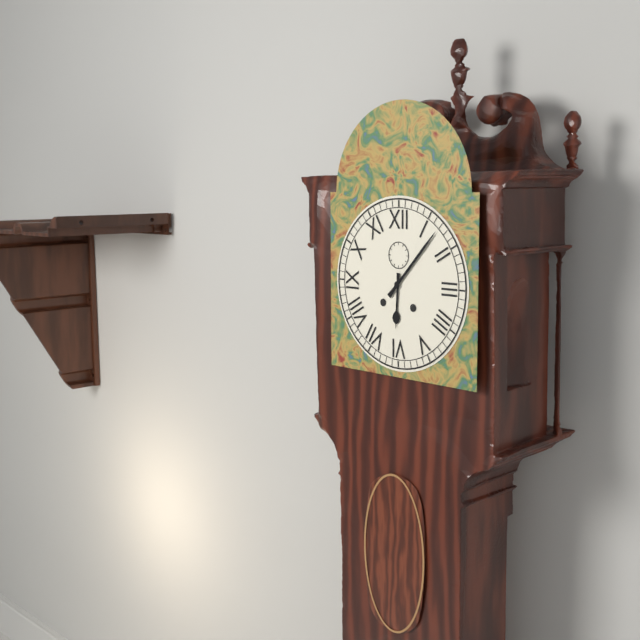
6:07
